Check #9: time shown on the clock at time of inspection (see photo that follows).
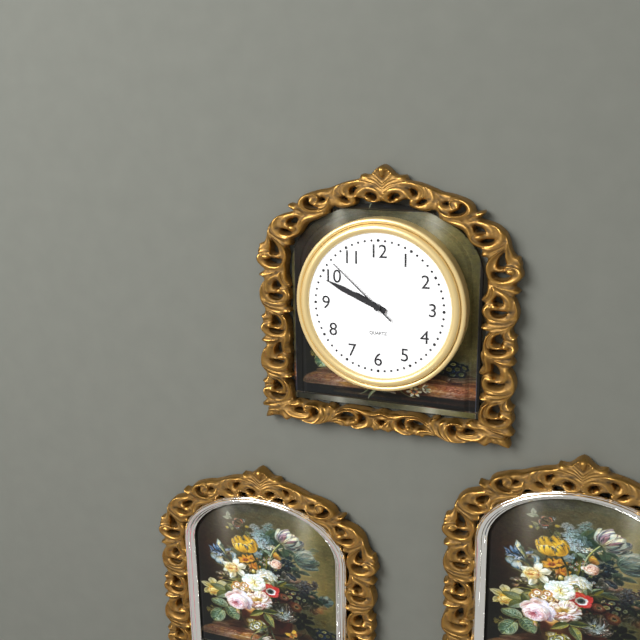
9:49:52
